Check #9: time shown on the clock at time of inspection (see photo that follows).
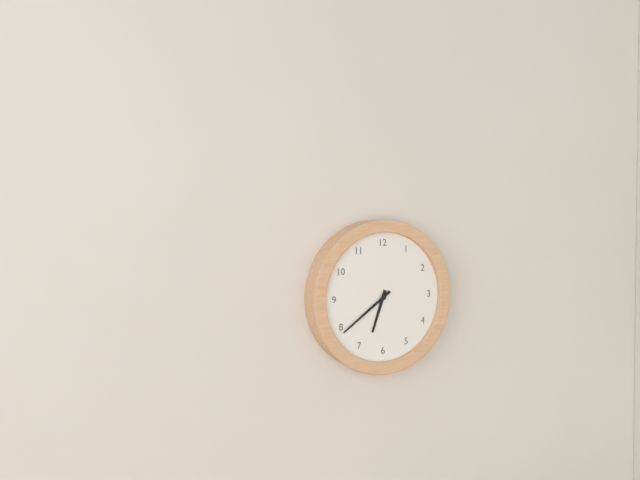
6:39
